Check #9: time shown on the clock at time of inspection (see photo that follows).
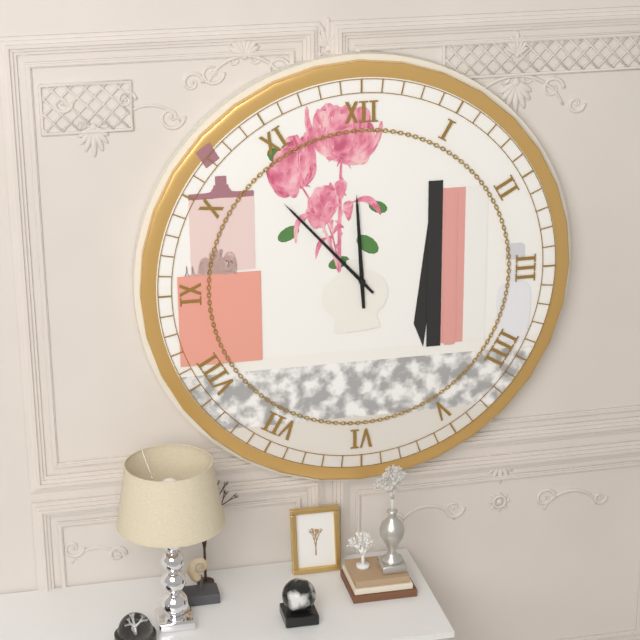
11:53
